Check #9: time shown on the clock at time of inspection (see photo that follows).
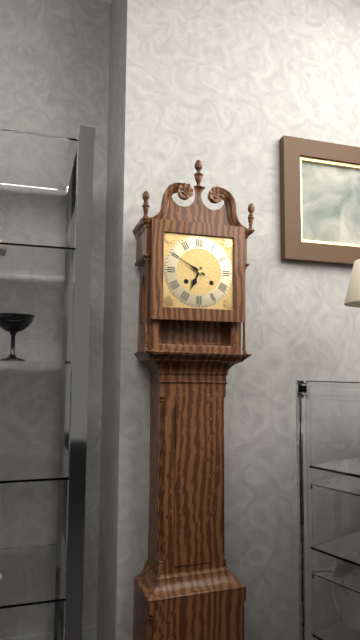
6:50
